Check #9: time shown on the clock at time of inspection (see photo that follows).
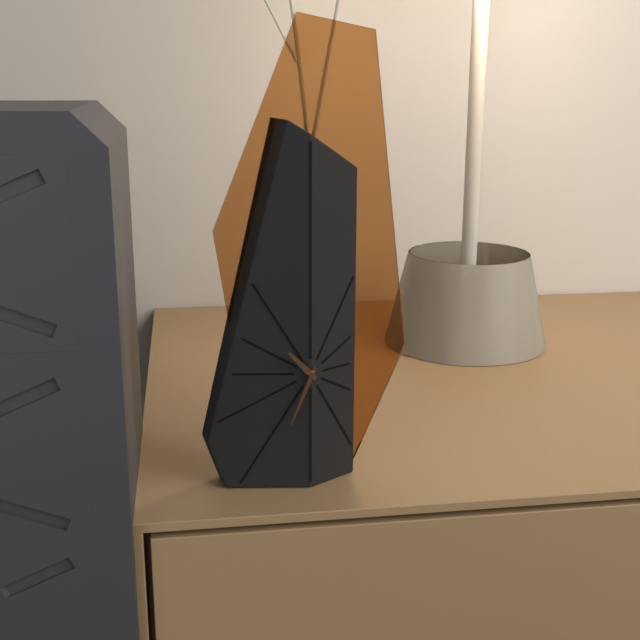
10:34
